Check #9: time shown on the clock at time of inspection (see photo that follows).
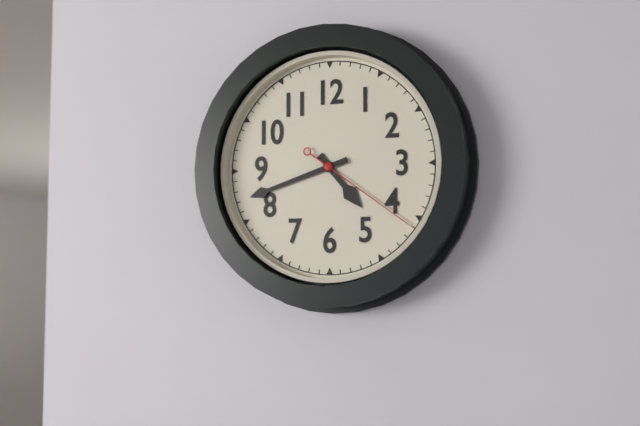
4:42:21
